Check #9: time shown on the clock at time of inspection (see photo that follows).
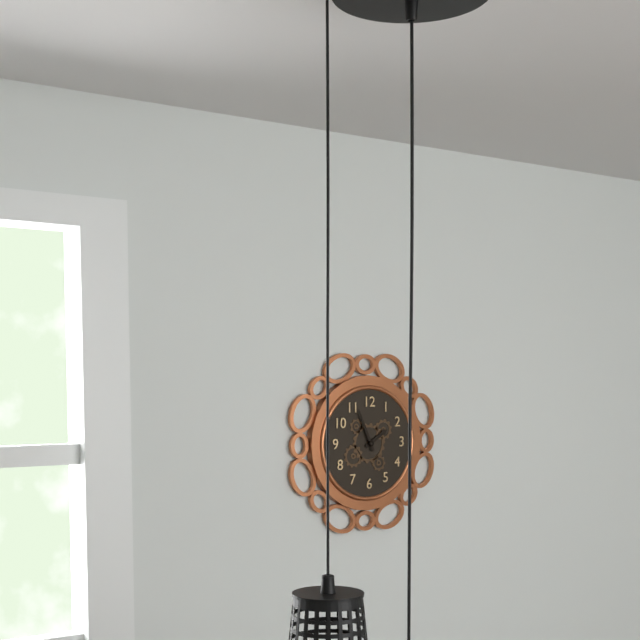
1:56
